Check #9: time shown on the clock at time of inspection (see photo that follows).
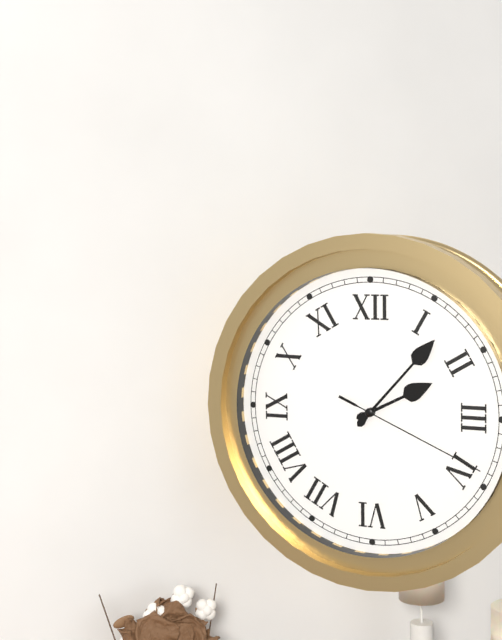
2:07:19
